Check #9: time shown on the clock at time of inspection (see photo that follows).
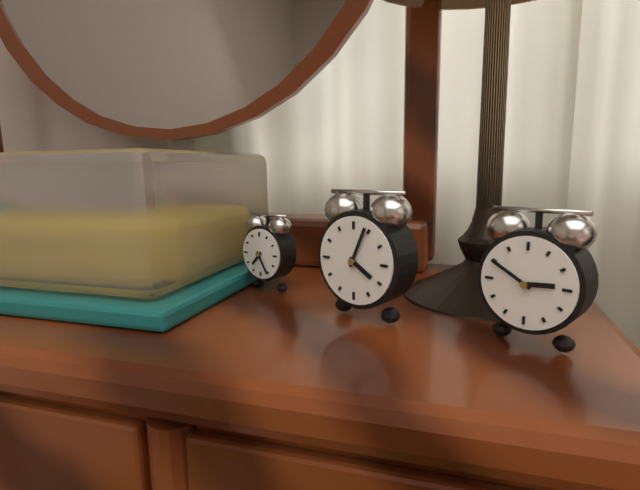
4:04
